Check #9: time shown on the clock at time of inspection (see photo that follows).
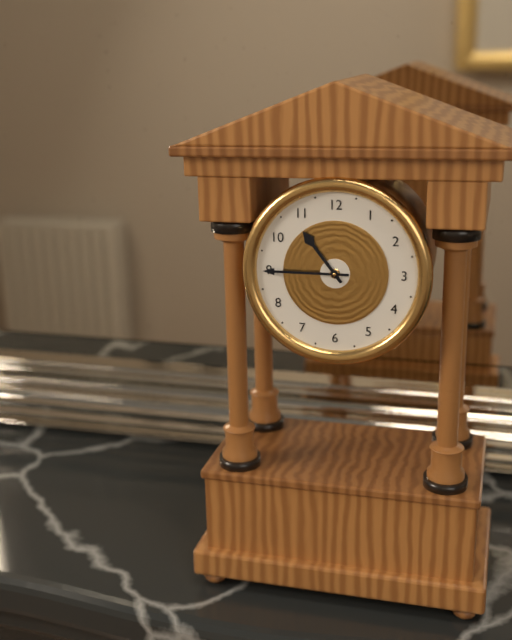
10:45
